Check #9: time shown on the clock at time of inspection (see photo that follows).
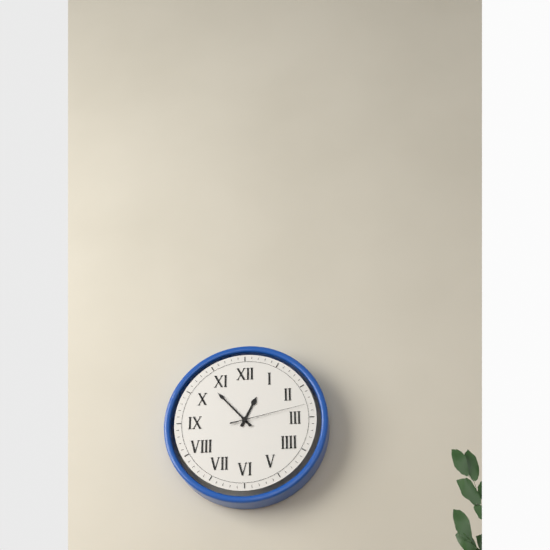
12:53:13
